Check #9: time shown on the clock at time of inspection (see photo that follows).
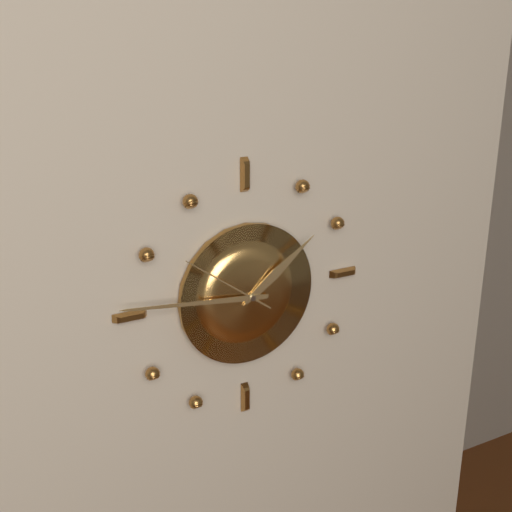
1:46:51
